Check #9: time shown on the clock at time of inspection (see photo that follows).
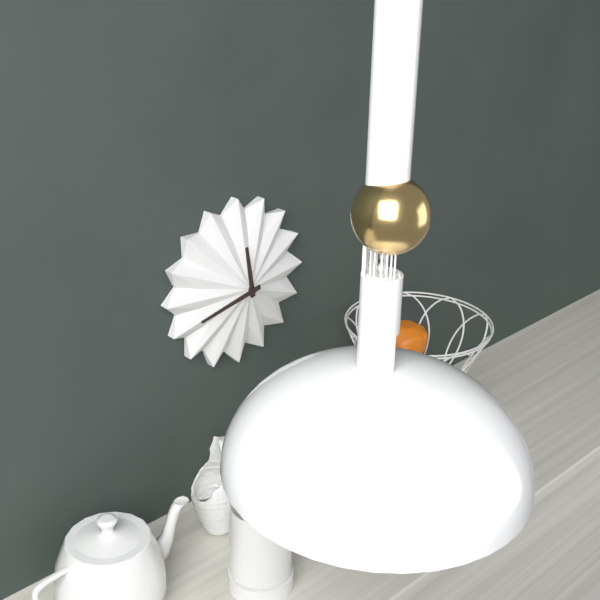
11:43
